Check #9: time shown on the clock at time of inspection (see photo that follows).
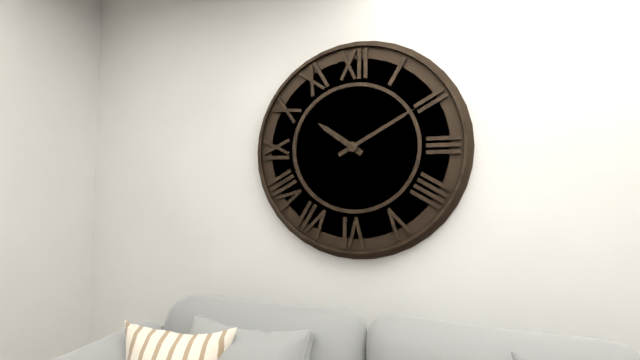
10:10
